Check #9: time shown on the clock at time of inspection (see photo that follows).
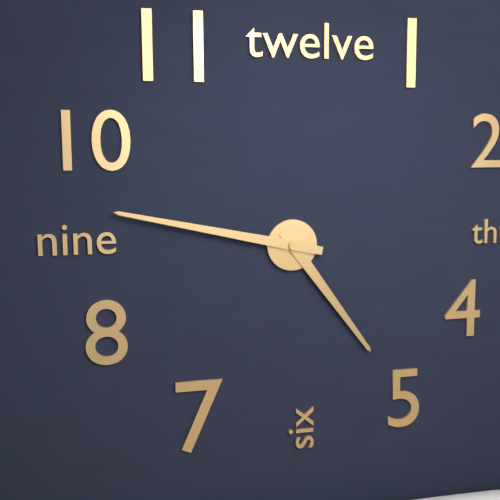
4:47
